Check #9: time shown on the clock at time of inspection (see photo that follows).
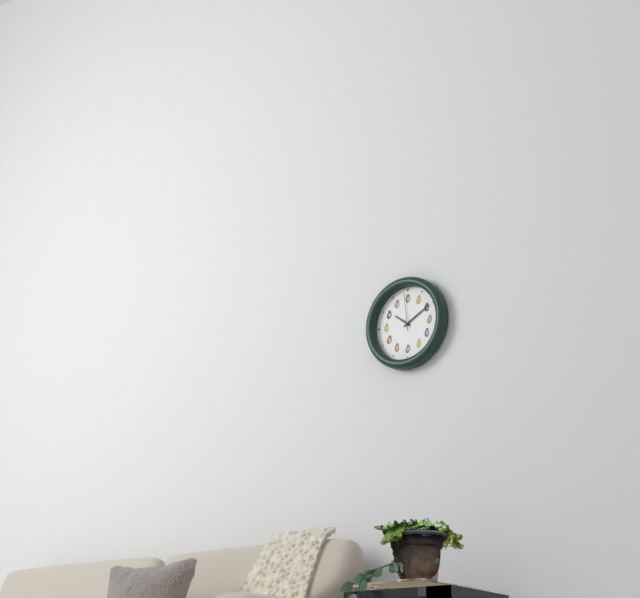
10:10
